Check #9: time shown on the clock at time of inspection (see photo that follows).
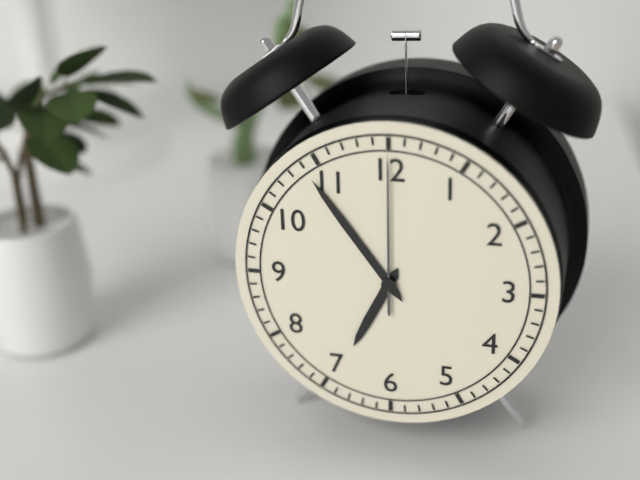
6:54:00
